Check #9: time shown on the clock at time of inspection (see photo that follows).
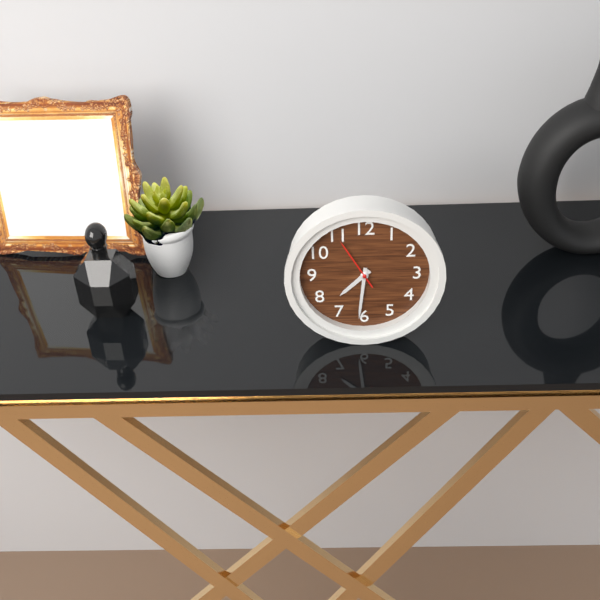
7:31:55
